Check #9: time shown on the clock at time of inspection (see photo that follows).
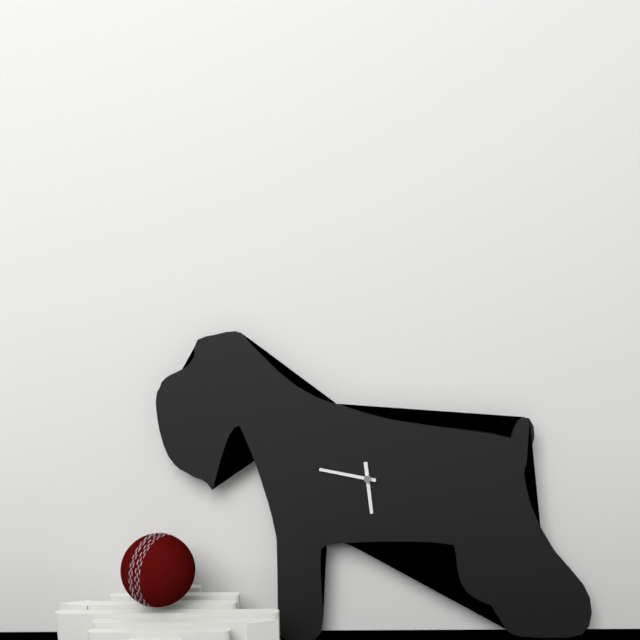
5:47
